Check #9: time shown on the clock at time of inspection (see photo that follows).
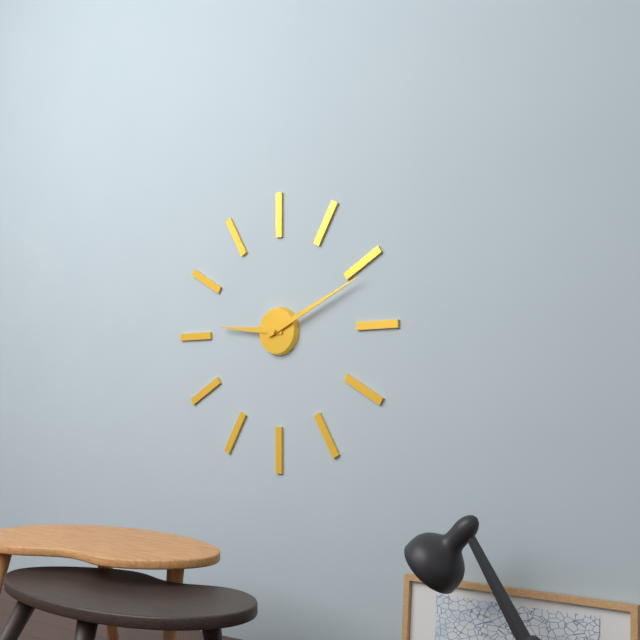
9:11
